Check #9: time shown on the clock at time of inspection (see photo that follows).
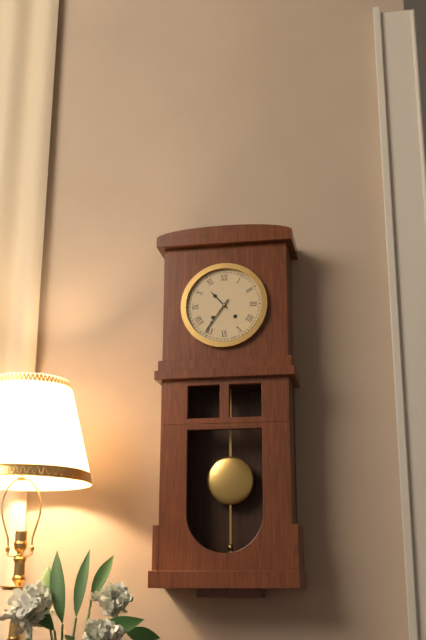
10:36
